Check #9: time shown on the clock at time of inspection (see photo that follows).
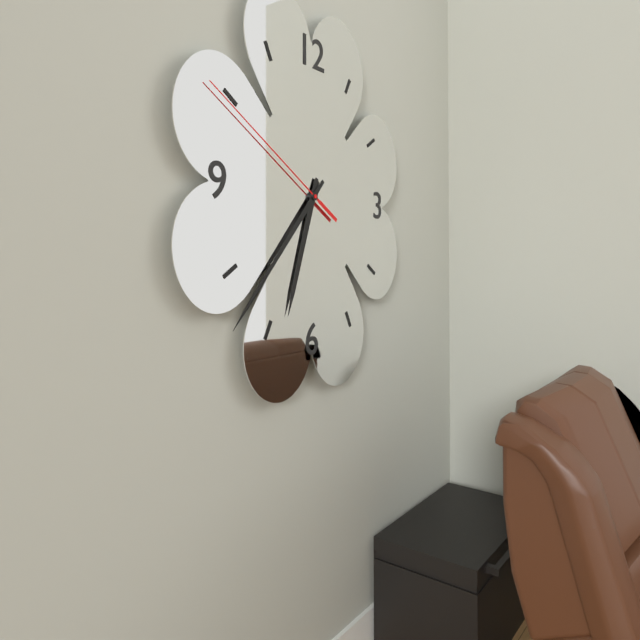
6:37:50
